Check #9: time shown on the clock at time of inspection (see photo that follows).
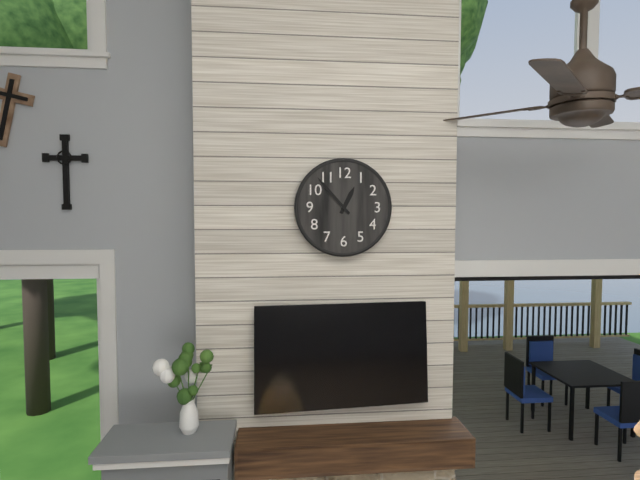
12:53
